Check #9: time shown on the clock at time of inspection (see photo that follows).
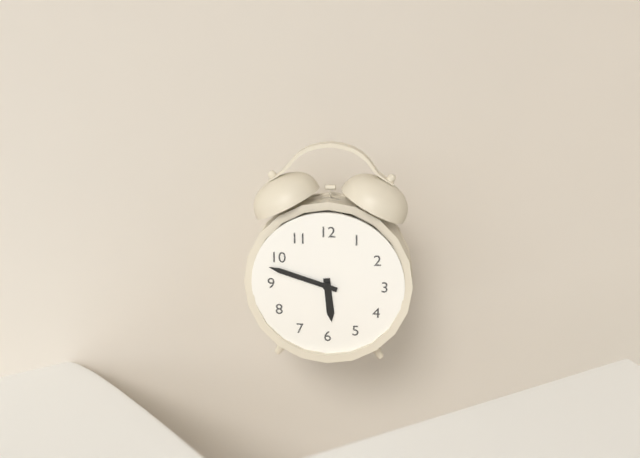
5:48
